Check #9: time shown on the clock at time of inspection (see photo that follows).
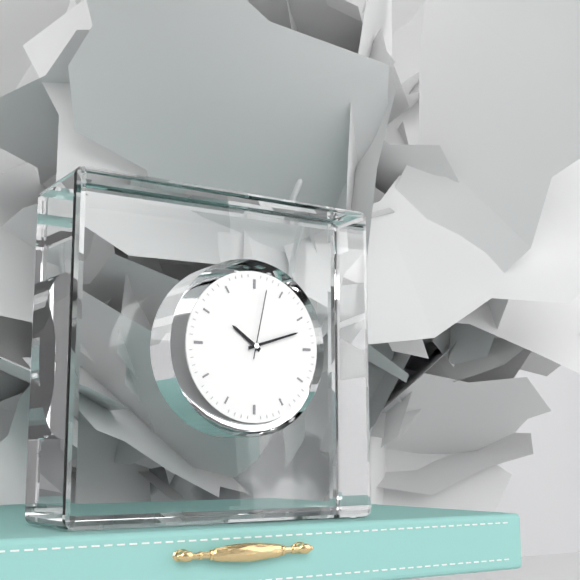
10:12:02
